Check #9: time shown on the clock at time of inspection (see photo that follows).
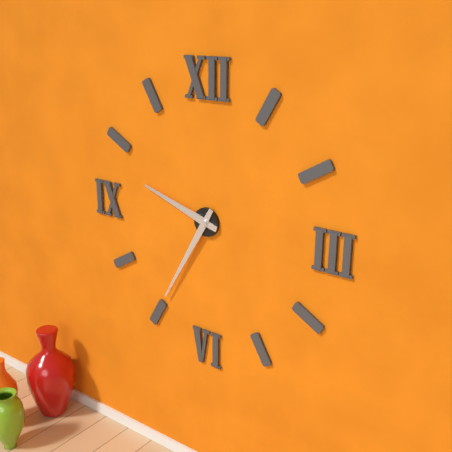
9:35
